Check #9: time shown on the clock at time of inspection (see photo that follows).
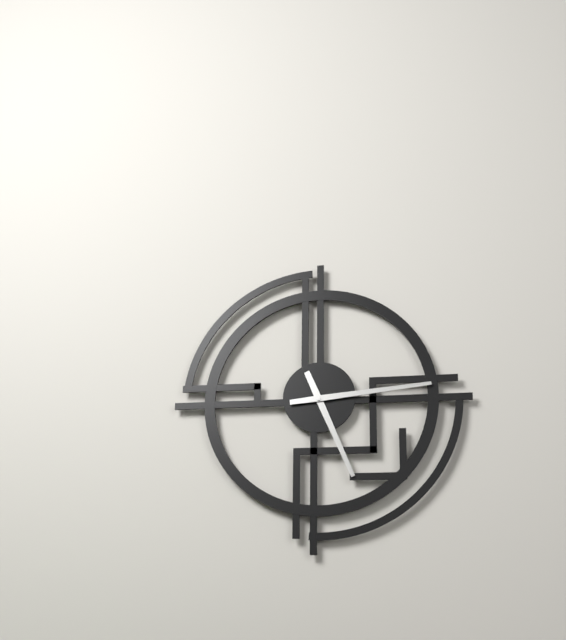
5:14
